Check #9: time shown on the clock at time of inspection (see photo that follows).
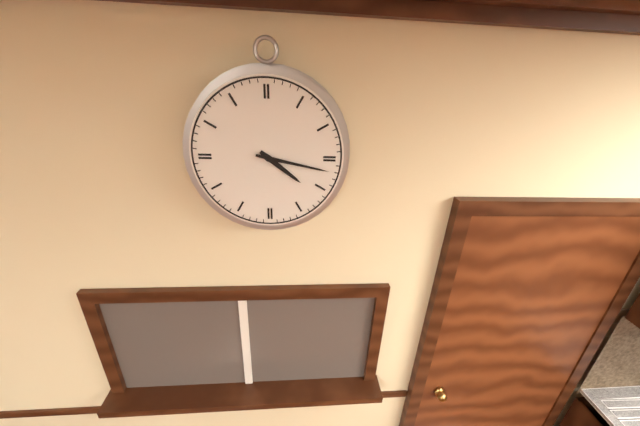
4:17
